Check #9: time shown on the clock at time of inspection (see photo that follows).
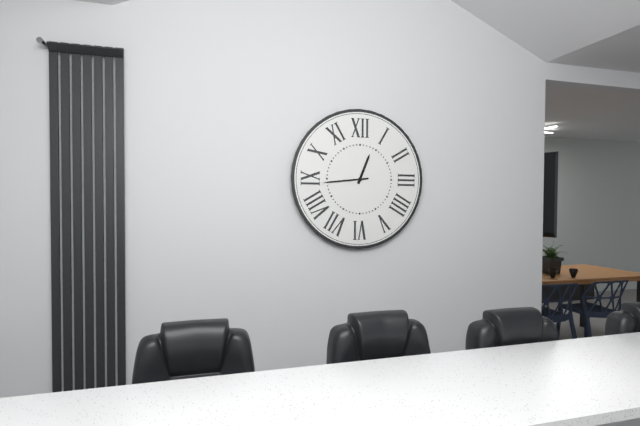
12:44
